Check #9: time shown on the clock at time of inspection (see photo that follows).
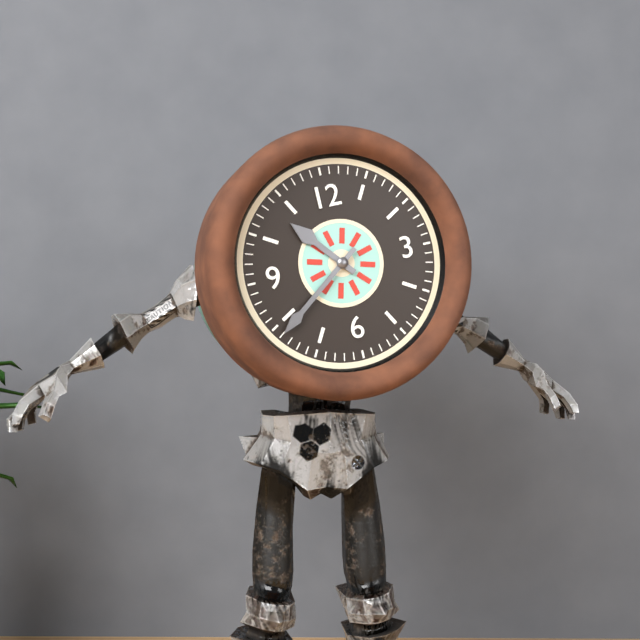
10:39
